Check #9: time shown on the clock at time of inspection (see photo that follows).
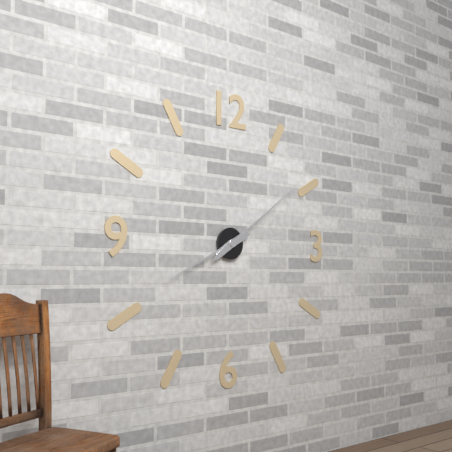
8:09
